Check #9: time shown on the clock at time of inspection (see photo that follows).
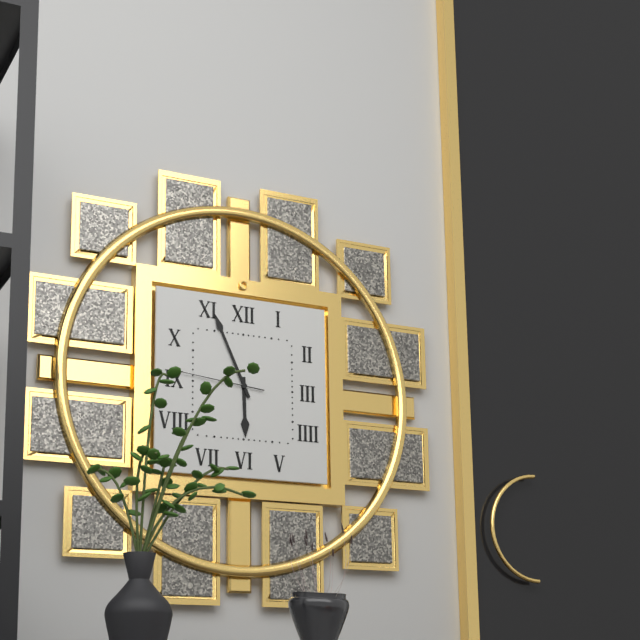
5:56:46
